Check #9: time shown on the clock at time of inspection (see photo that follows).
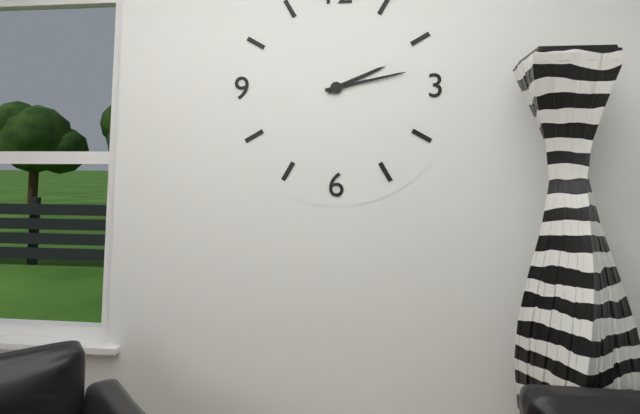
2:13
